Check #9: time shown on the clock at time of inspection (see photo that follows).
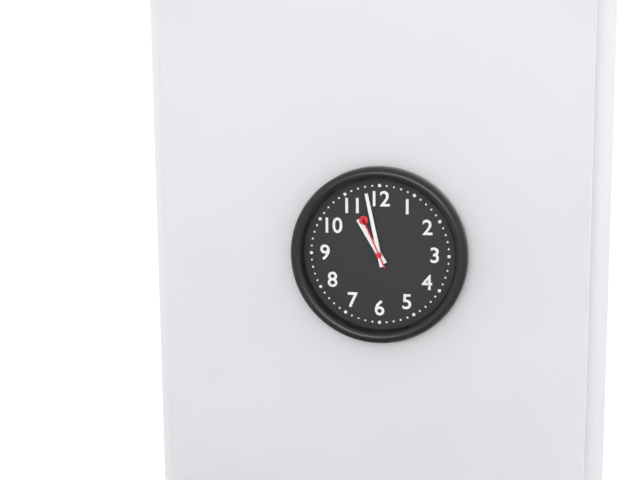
10:58:56
